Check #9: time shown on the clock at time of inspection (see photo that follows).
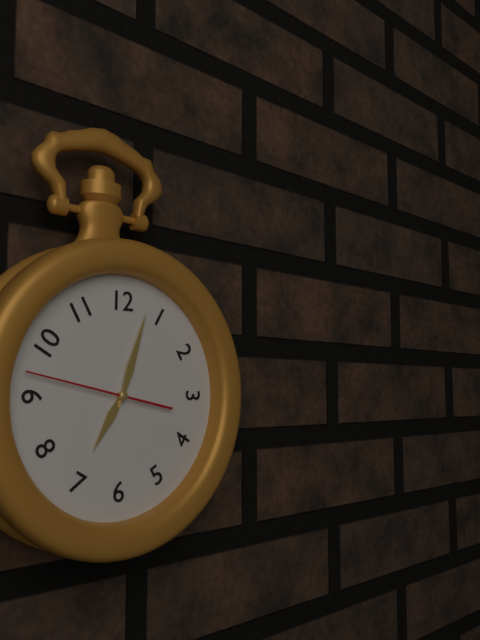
7:03:47
